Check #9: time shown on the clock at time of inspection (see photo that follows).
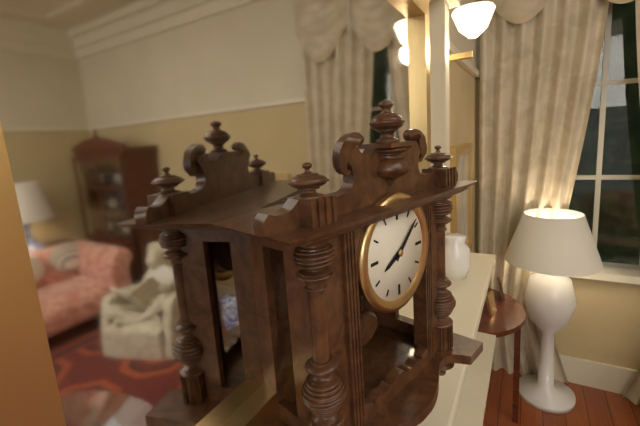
8:08
